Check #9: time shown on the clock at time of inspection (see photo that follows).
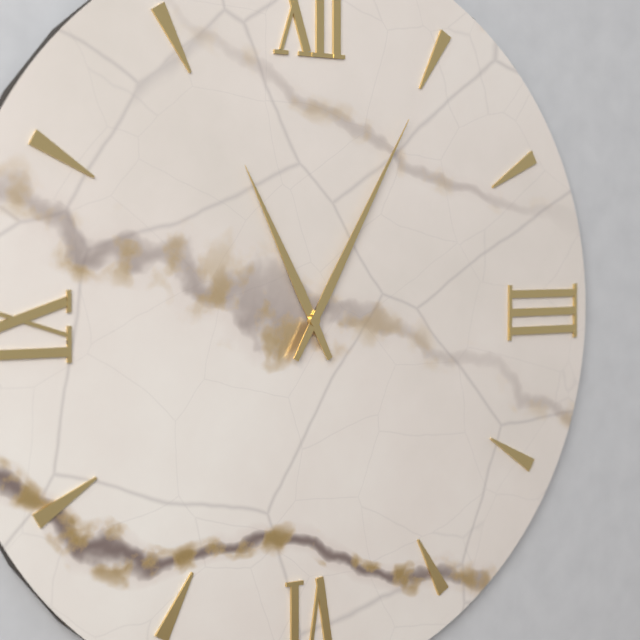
11:05
